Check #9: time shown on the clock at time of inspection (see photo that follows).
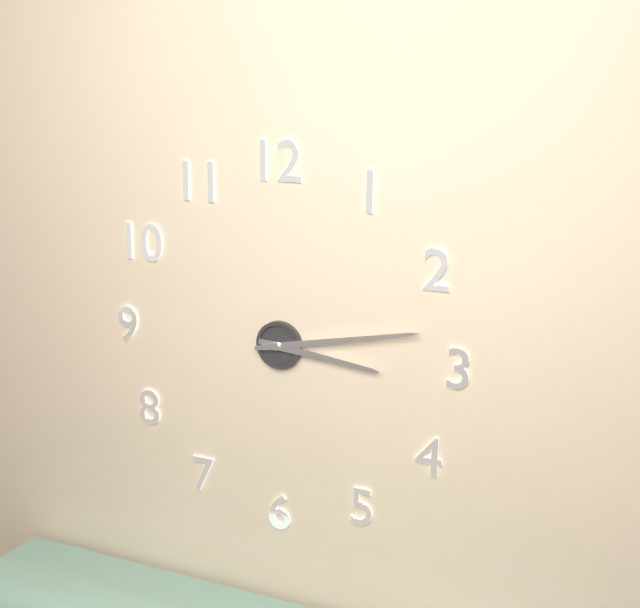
3:13
